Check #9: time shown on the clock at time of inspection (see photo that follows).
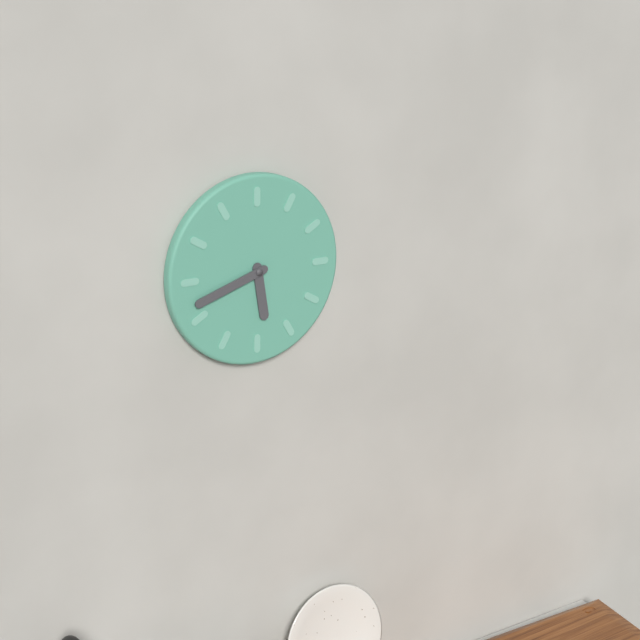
5:42
